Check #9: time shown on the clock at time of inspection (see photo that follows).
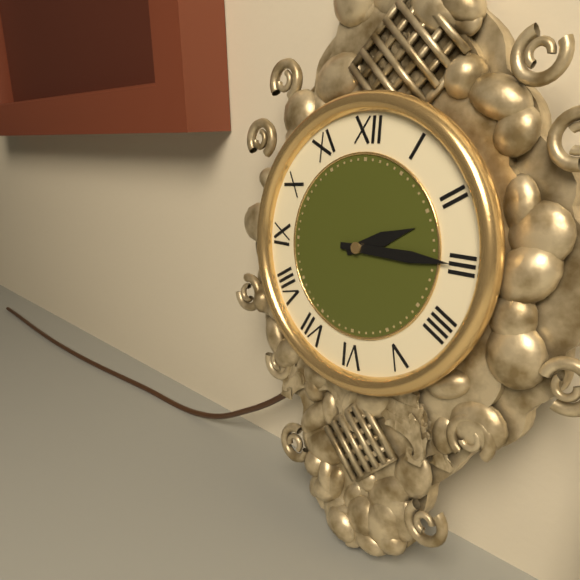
2:15
